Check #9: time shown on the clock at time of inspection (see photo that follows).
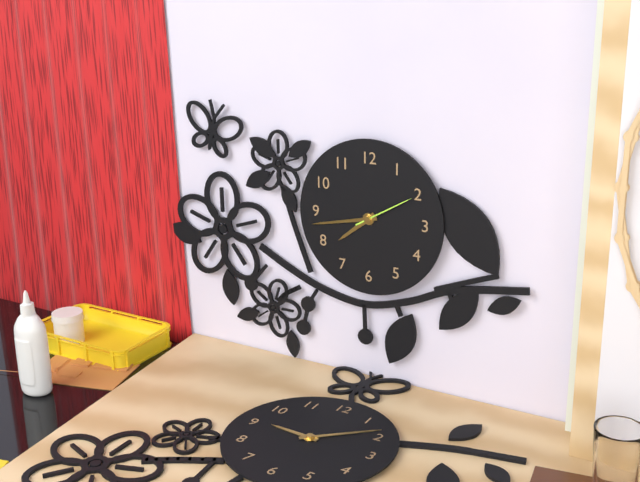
7:43:10
